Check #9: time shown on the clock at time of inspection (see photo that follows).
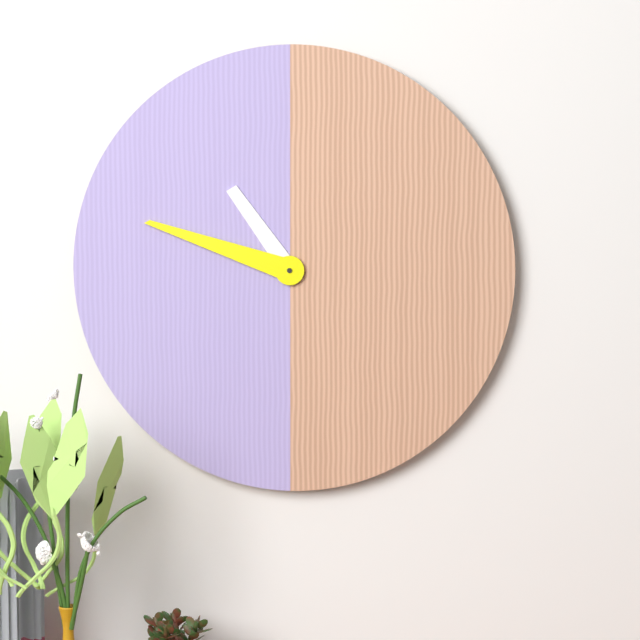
10:48
